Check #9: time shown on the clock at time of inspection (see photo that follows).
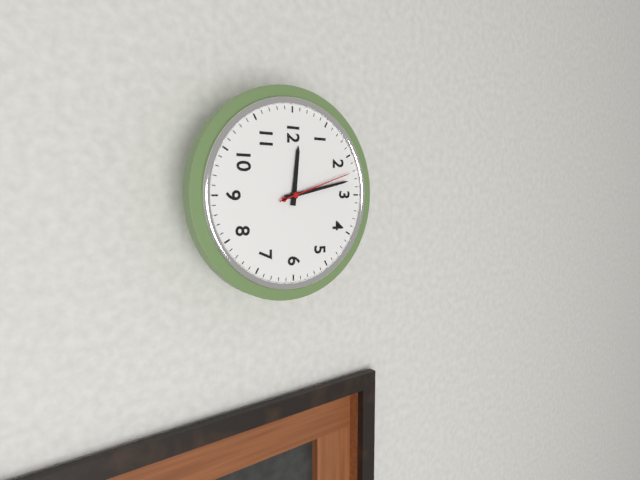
12:13:12
